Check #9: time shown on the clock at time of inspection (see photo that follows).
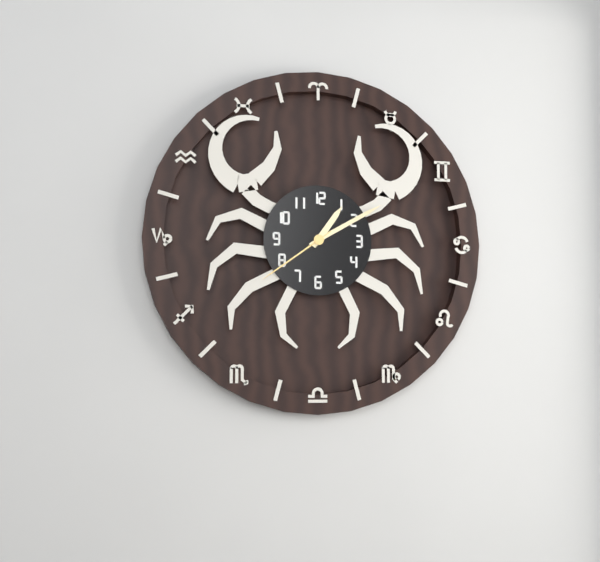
1:10:39
